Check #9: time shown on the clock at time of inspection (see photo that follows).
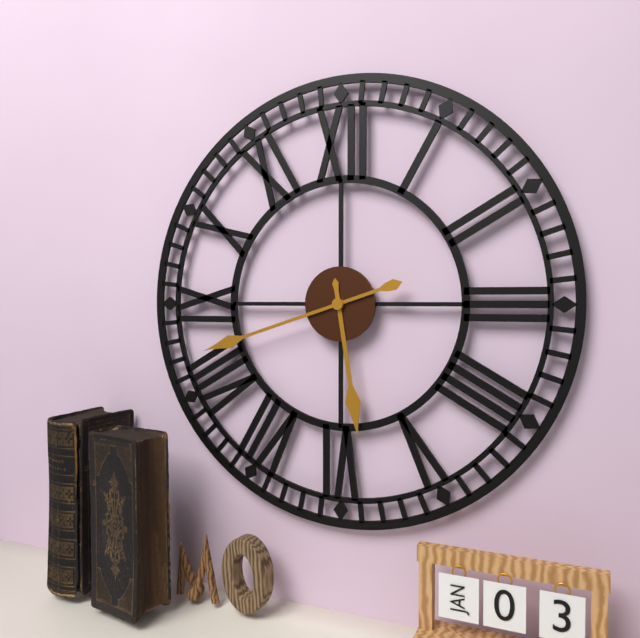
5:42
